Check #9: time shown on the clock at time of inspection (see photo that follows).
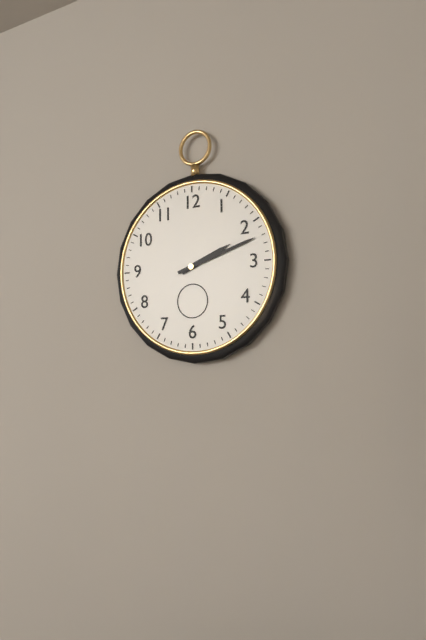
2:12
